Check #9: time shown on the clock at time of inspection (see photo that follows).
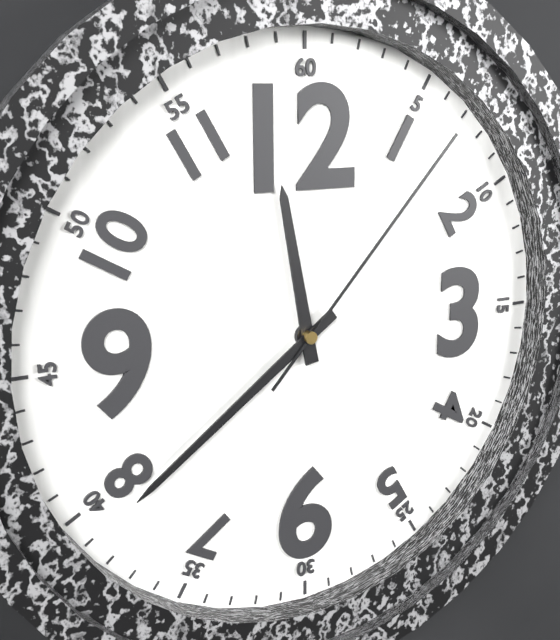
11:39:07
